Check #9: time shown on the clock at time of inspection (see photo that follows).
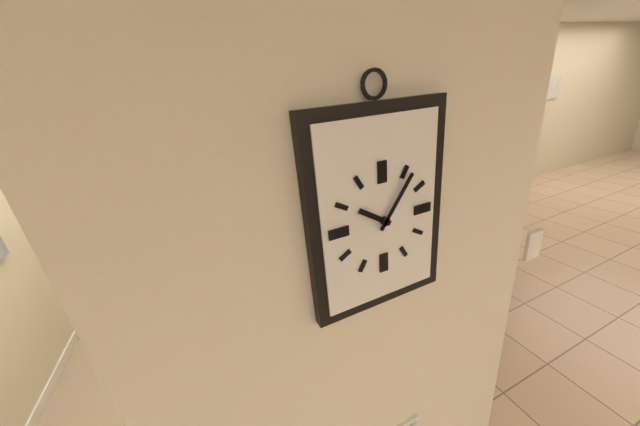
10:06
